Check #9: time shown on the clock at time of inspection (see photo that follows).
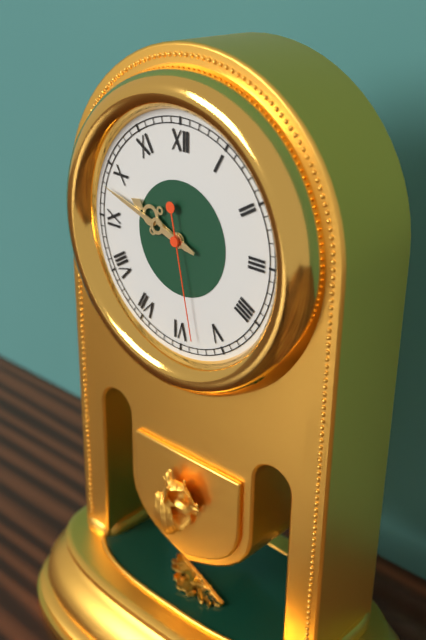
9:48:28
